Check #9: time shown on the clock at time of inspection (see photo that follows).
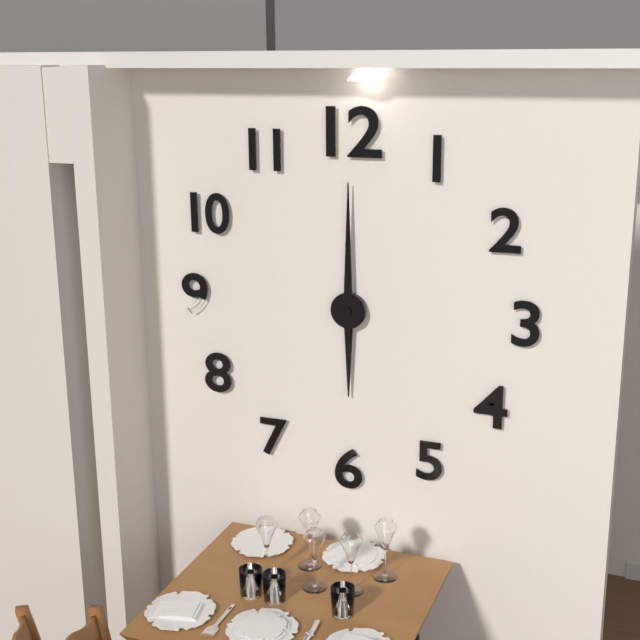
6:00
